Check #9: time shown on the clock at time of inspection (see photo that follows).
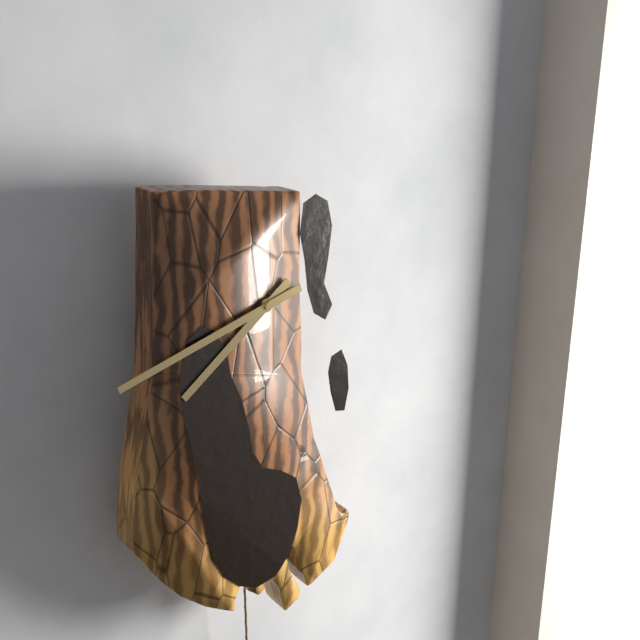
7:42
